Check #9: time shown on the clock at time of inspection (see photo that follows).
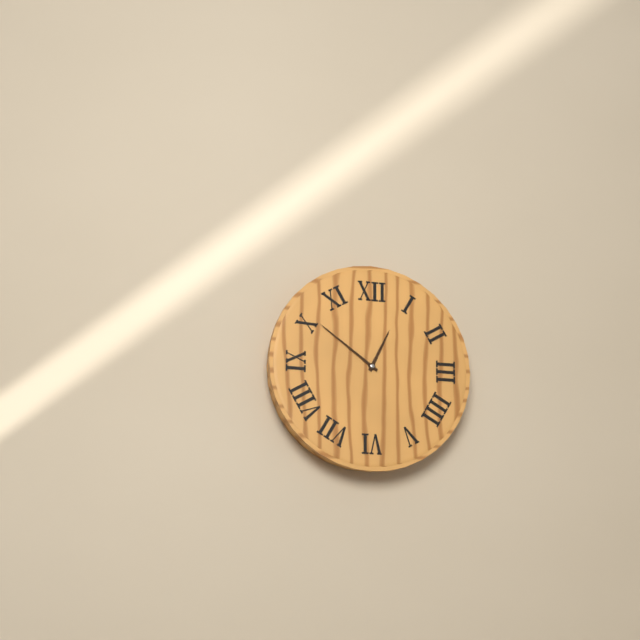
12:51
